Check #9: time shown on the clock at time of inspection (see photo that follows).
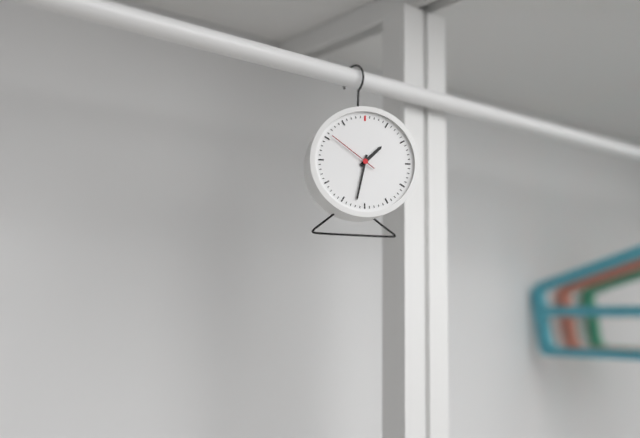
1:32:51
